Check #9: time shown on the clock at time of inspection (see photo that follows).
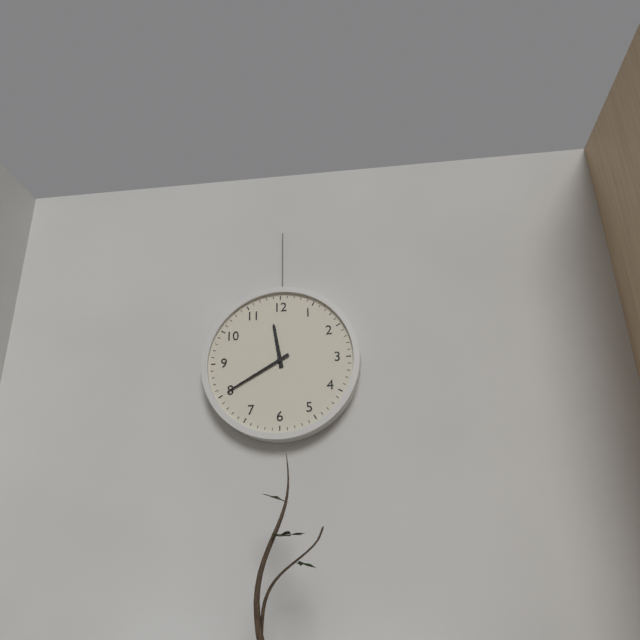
11:40
